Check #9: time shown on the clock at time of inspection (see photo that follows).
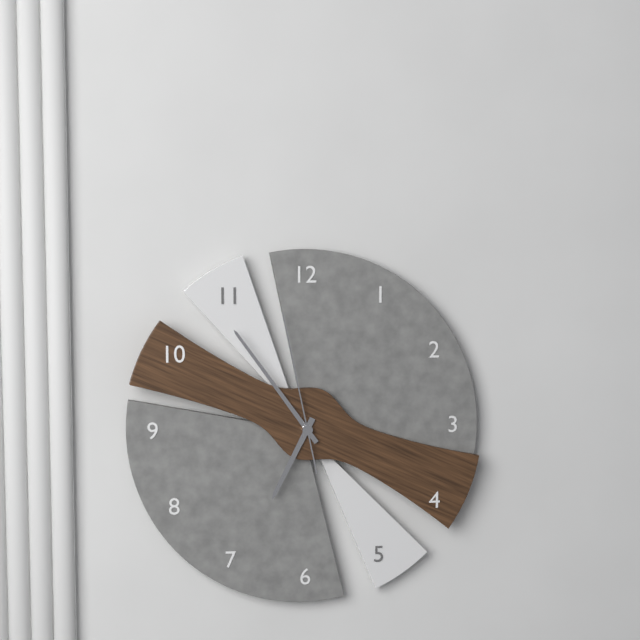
6:54:58
